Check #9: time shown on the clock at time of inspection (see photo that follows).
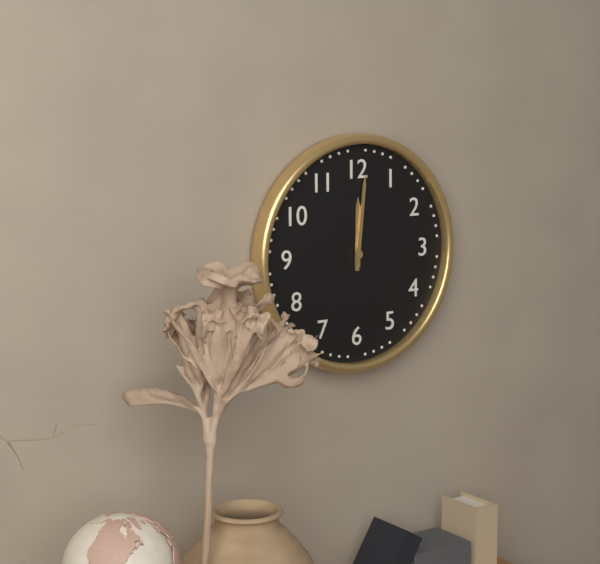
12:01
